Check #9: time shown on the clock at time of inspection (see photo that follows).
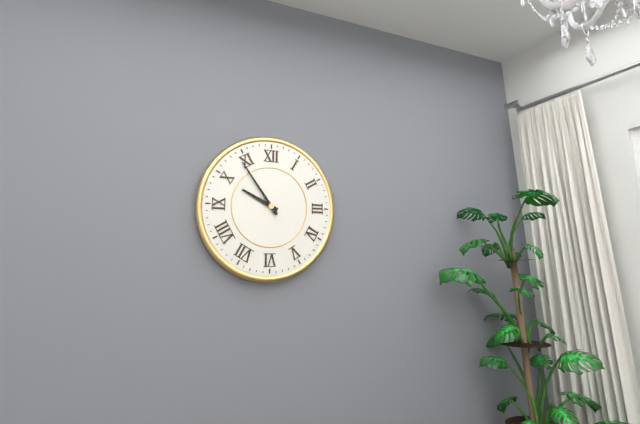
9:54
